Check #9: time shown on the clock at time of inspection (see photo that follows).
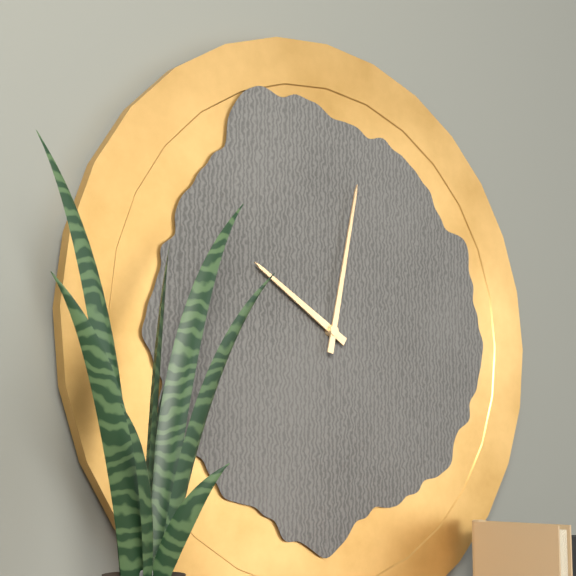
10:02
